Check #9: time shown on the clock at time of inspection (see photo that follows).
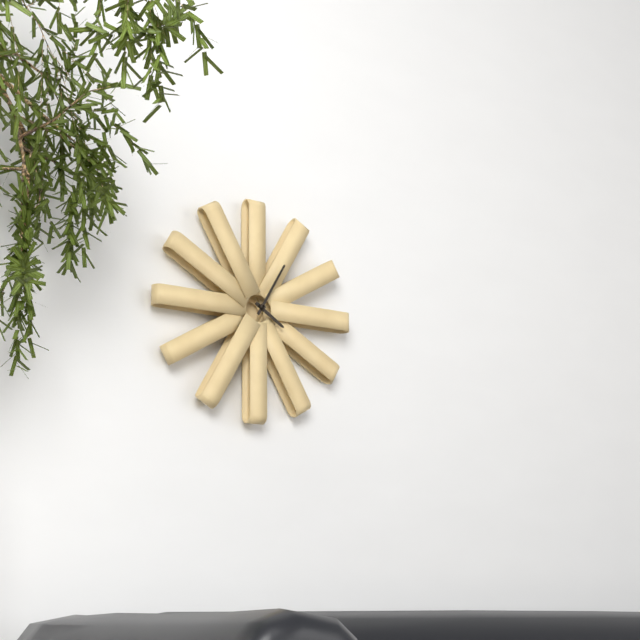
4:05
